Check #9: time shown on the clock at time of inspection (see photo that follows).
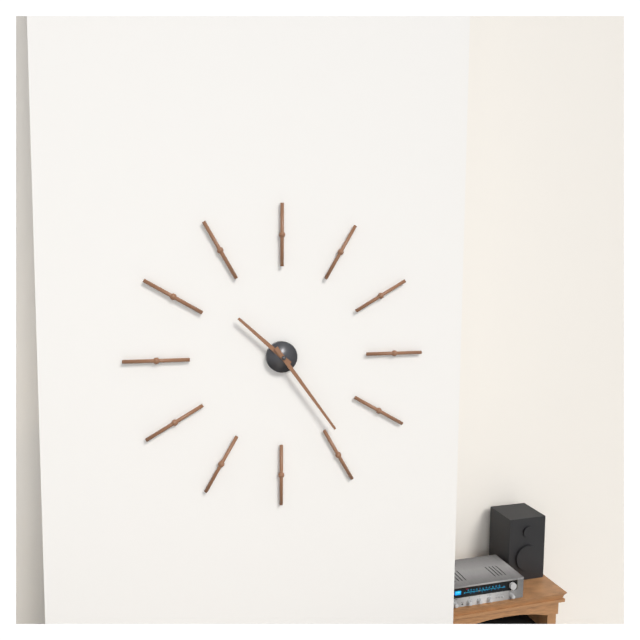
10:24
